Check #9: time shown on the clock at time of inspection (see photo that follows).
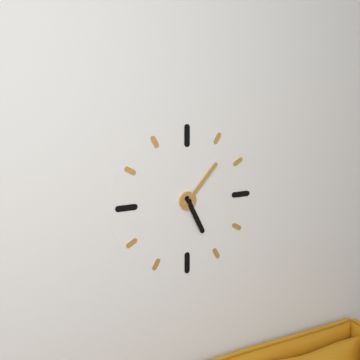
5:07
